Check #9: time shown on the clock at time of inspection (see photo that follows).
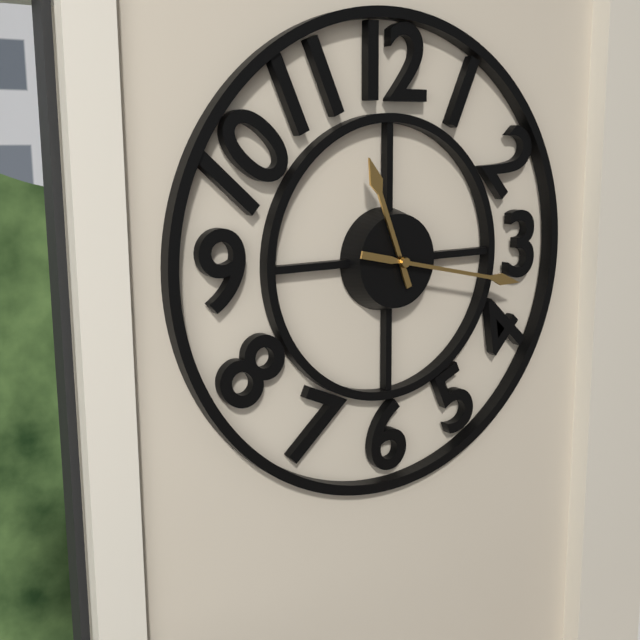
11:17
